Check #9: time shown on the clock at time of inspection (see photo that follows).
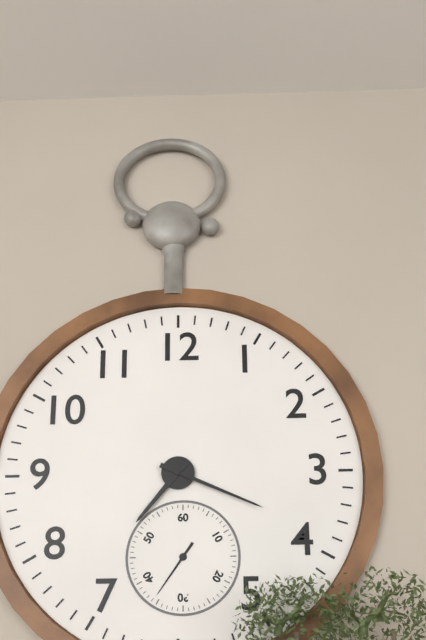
7:19
